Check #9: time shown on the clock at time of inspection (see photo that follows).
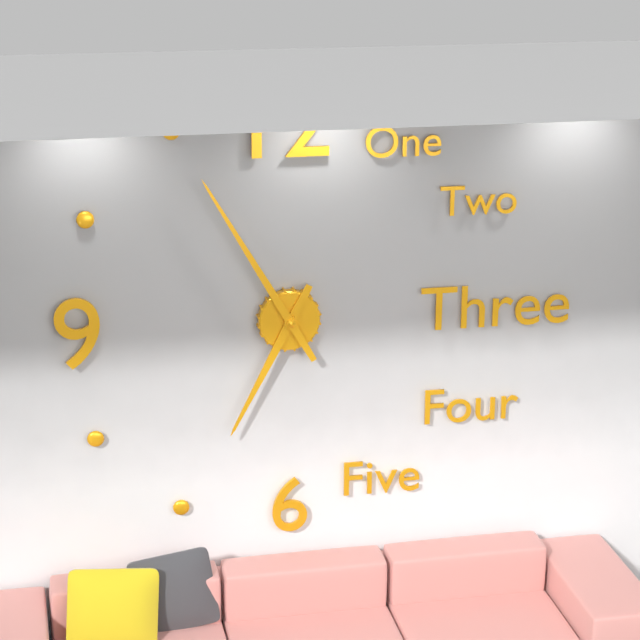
6:55
